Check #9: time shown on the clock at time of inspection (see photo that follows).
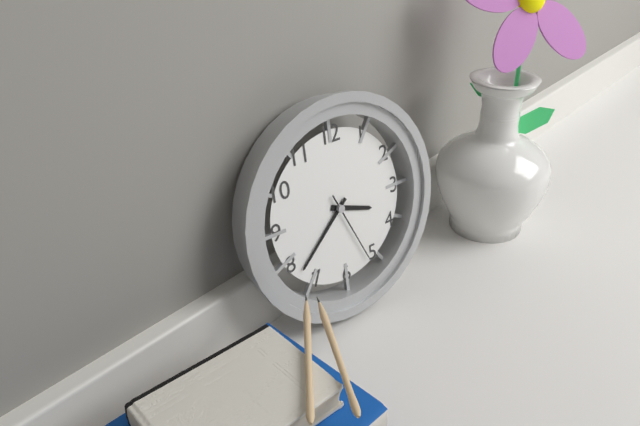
3:38:26
